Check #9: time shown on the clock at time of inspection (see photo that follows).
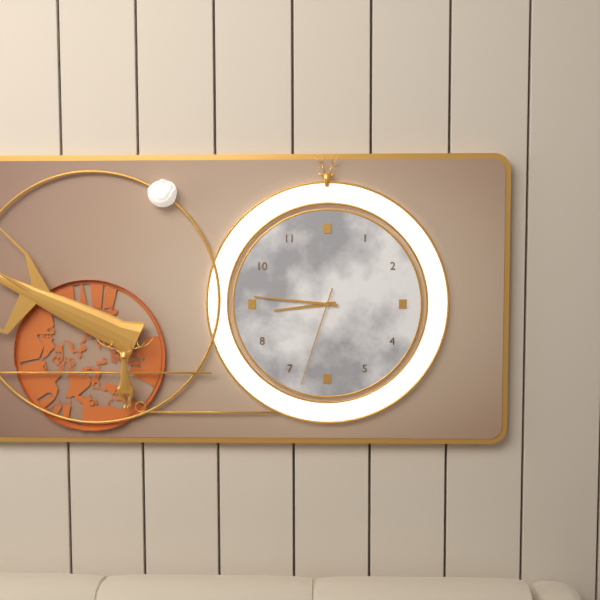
8:46:33
